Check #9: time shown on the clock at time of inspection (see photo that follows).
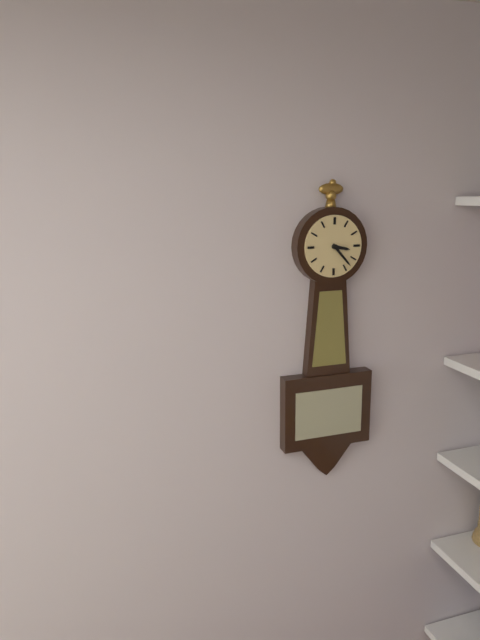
3:23
